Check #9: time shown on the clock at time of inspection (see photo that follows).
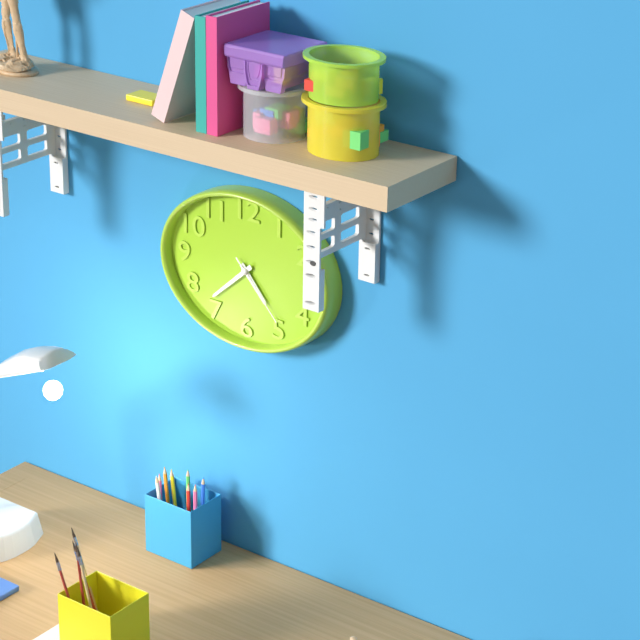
4:38:23
